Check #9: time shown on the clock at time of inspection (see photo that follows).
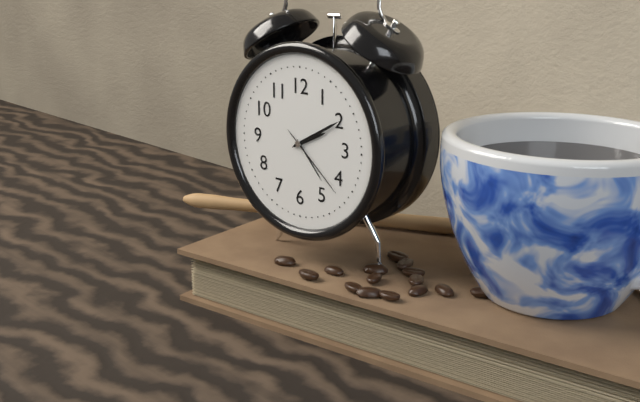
2:10:22
